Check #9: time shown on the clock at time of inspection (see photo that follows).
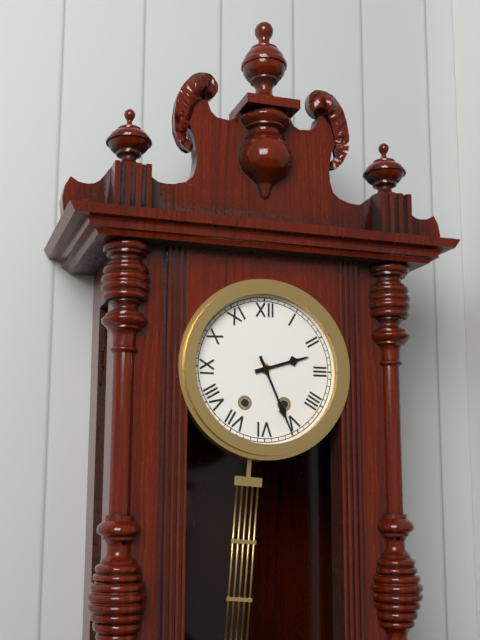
2:26
